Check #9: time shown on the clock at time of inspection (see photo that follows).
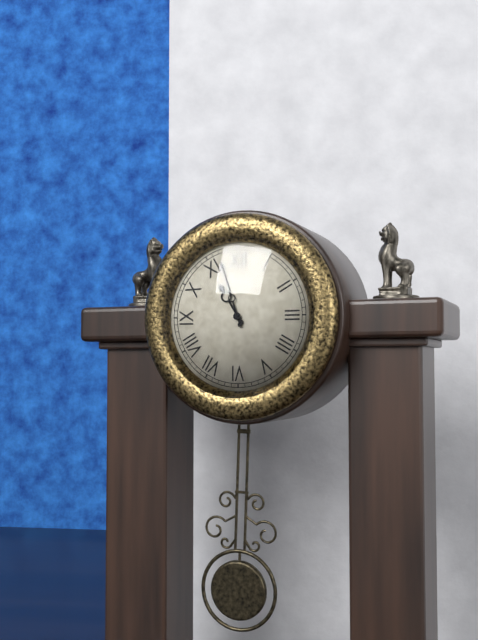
10:57
